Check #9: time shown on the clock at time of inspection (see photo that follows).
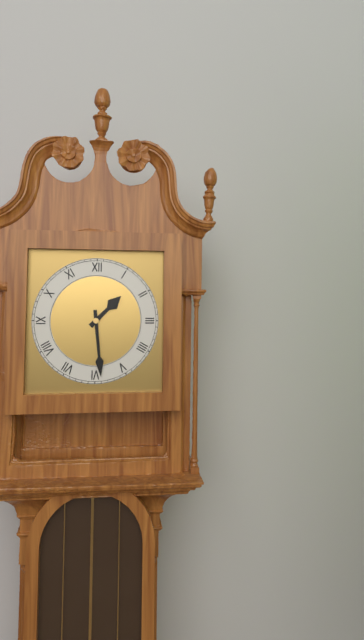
1:29
